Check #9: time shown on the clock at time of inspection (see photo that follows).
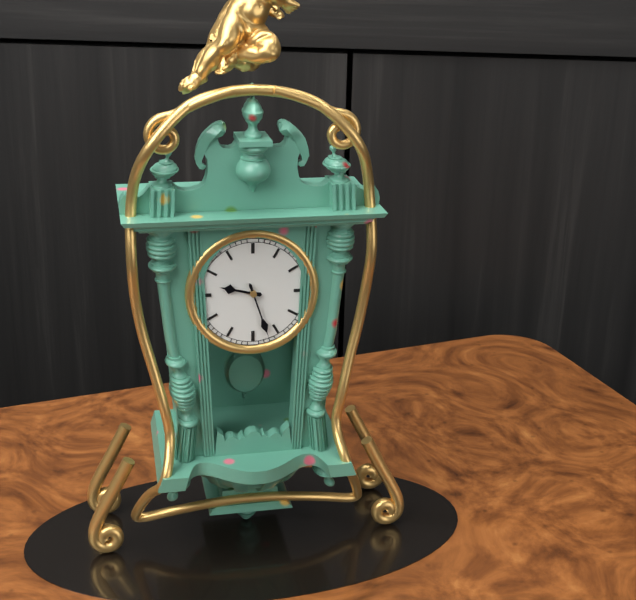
9:27
